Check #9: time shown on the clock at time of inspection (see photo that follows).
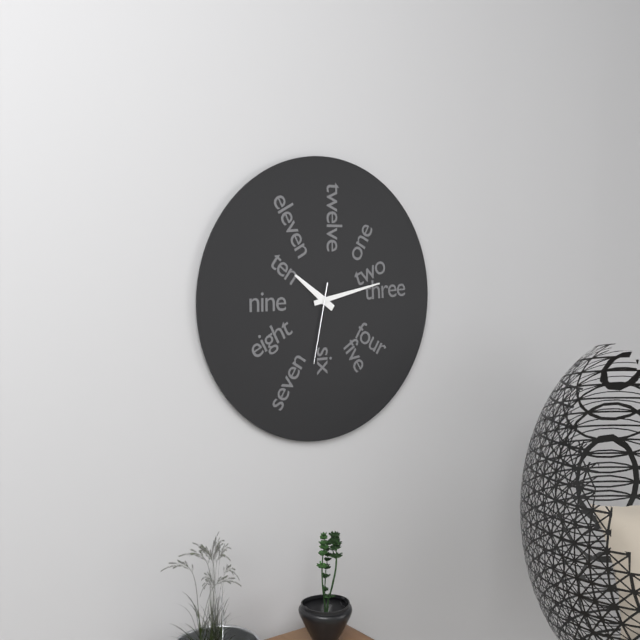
10:13:32
